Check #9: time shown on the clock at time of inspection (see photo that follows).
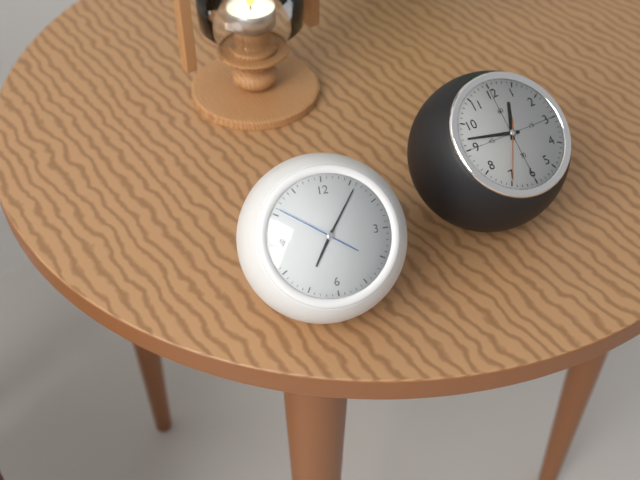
7:06:51
